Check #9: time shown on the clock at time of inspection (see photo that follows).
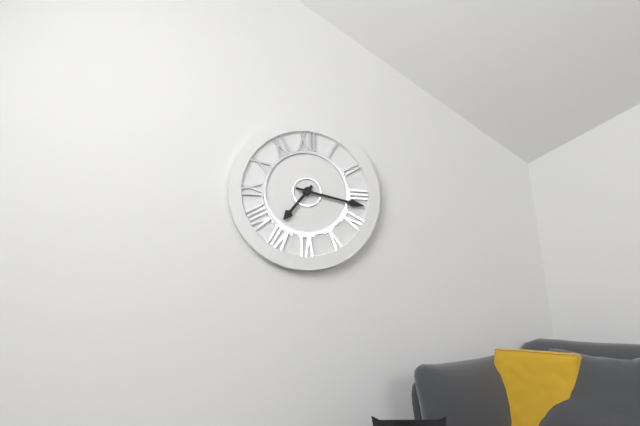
7:17
